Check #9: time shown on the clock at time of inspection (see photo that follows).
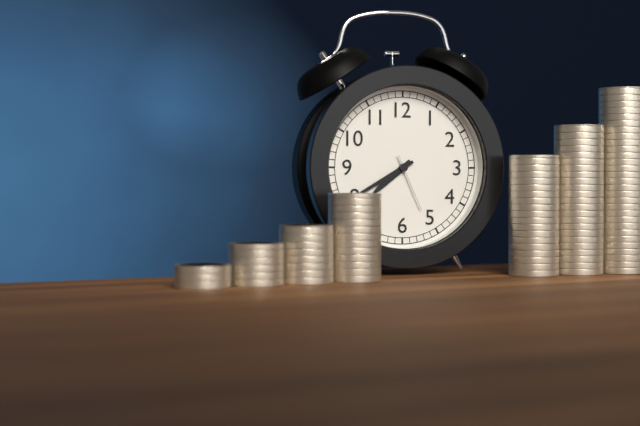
7:40:26
